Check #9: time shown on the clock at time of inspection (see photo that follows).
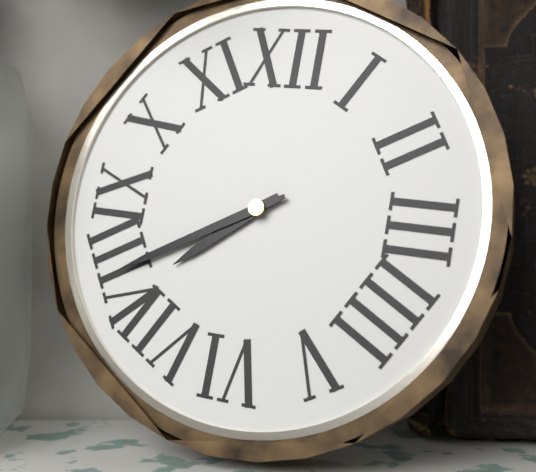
7:40
